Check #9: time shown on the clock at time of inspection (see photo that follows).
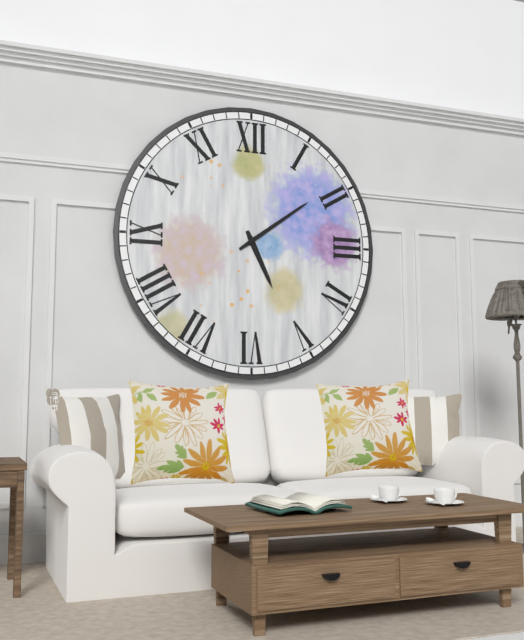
5:09
